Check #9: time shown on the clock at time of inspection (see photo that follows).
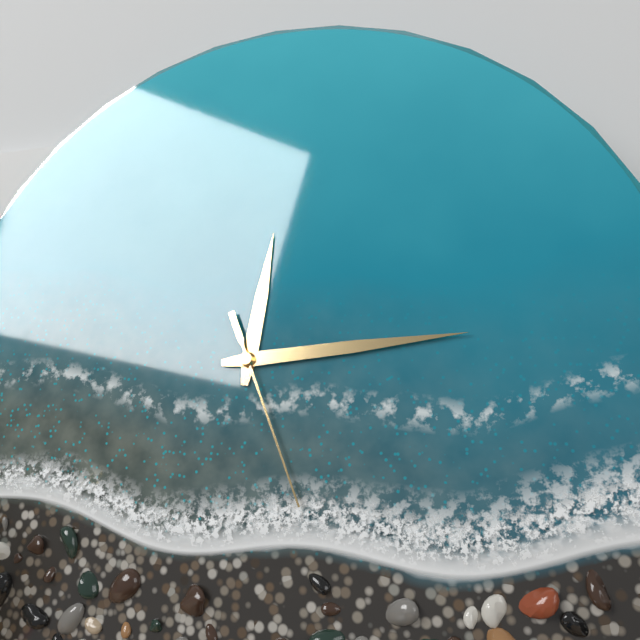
12:14:26
